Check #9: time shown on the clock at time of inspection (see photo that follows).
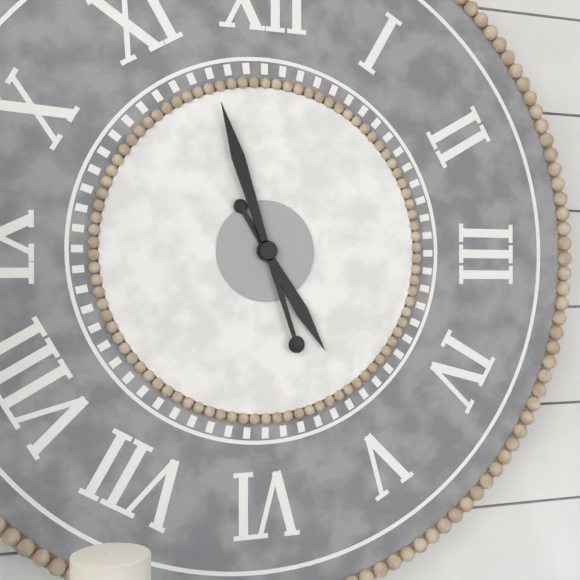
4:57
